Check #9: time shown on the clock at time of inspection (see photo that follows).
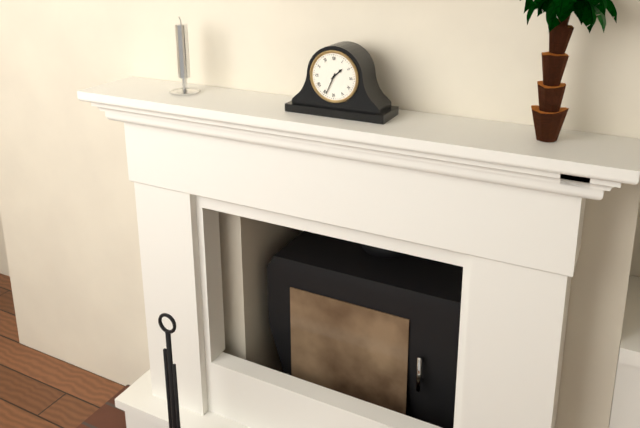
1:34
